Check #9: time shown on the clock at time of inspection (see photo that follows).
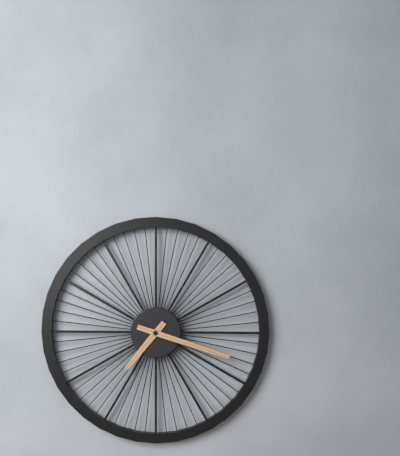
7:18
